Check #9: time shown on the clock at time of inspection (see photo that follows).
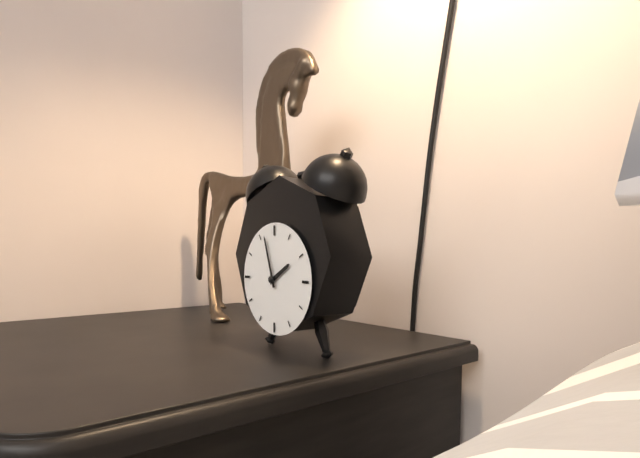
1:57
